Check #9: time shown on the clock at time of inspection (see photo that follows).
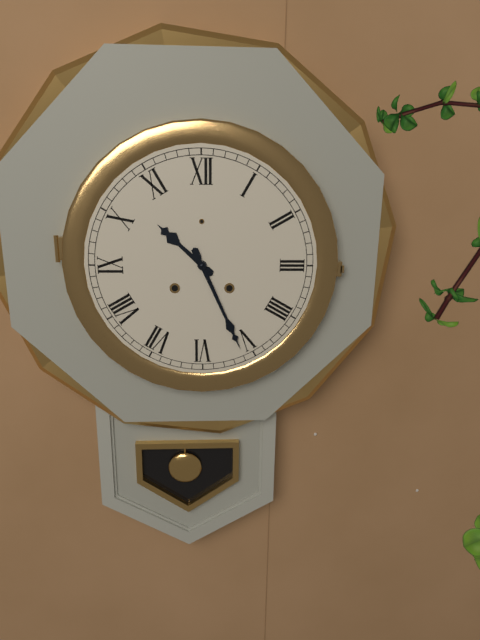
10:26
